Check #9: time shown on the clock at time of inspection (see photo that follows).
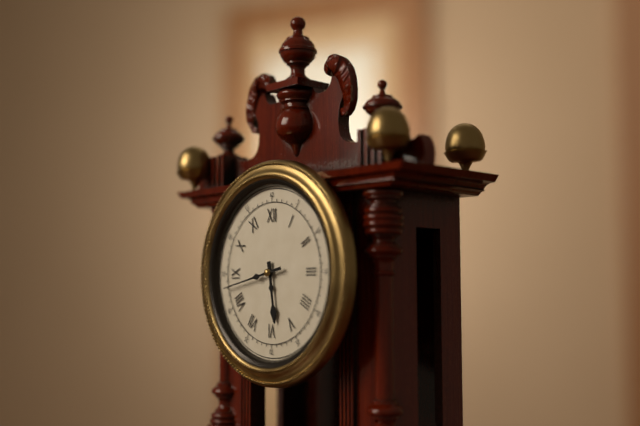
5:43
